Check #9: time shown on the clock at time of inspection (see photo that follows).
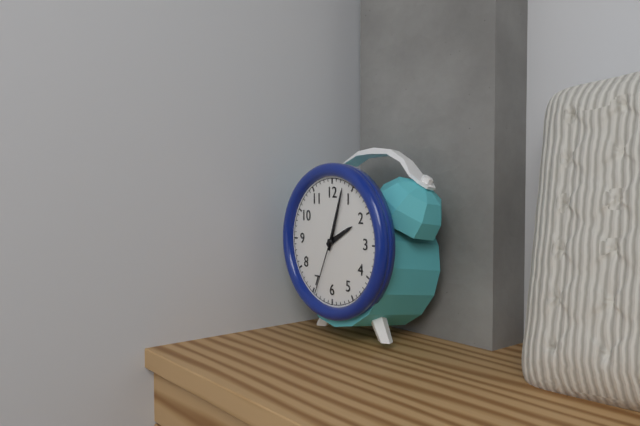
2:03:34
